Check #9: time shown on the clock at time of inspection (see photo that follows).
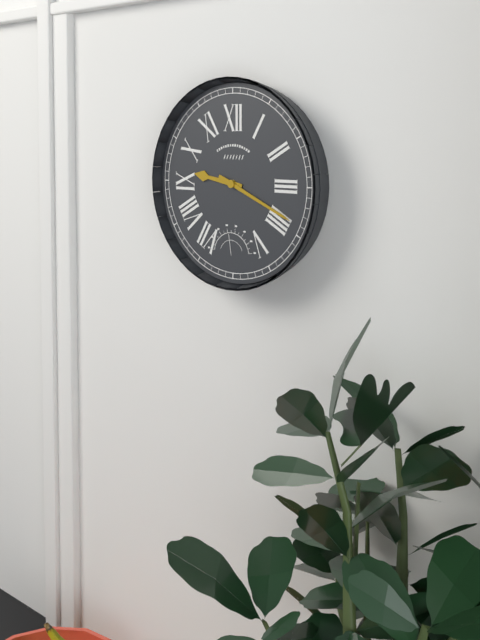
9:19
